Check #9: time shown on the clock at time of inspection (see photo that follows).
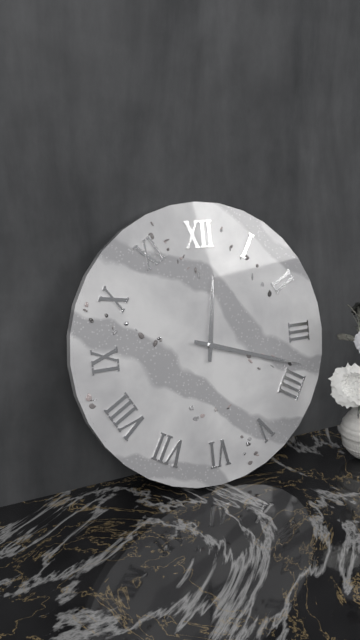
12:18
